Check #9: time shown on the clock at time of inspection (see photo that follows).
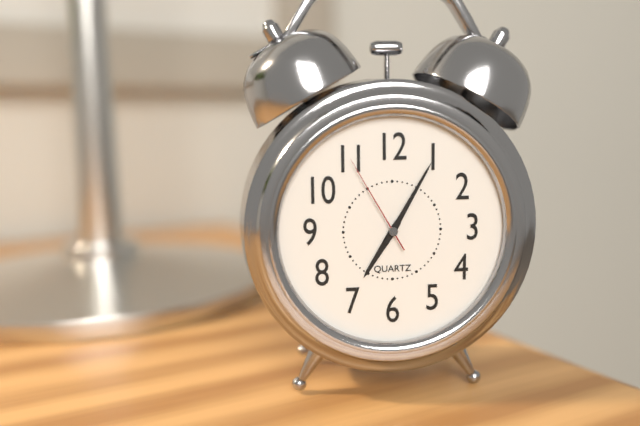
7:05:55
